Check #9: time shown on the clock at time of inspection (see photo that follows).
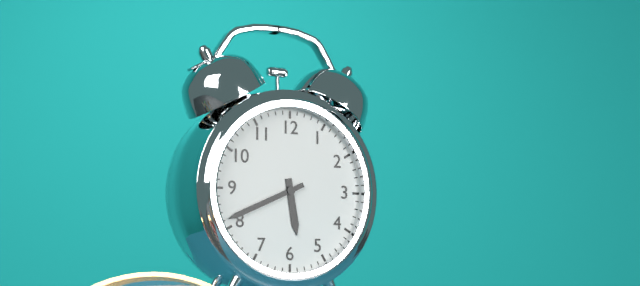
5:41
